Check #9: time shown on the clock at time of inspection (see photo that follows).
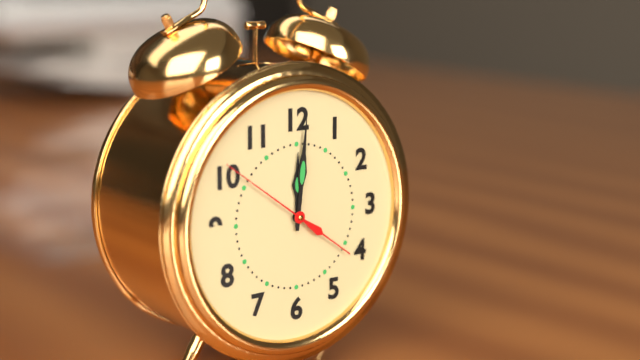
12:01:51
